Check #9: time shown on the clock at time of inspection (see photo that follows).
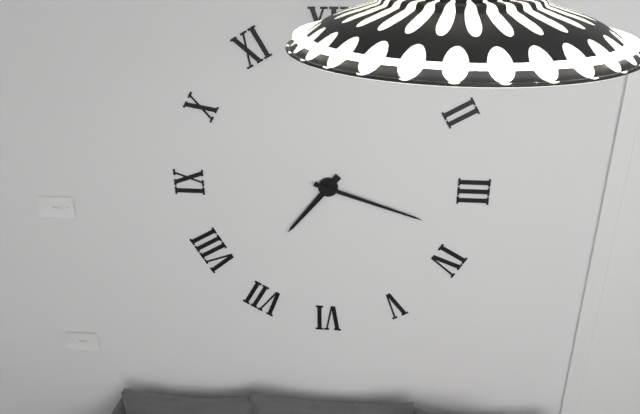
7:18
